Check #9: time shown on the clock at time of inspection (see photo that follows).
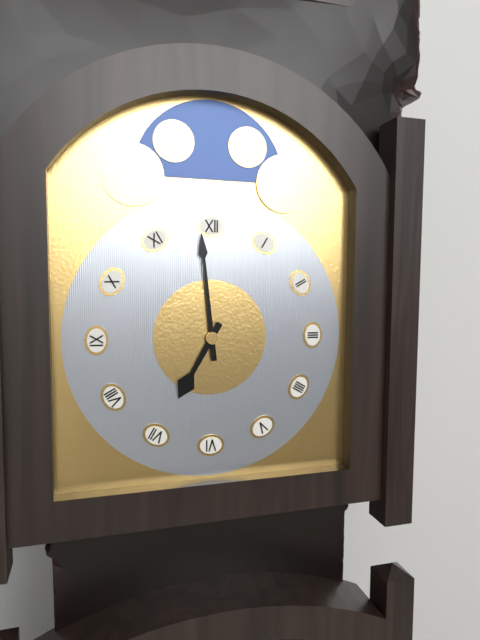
6:59
